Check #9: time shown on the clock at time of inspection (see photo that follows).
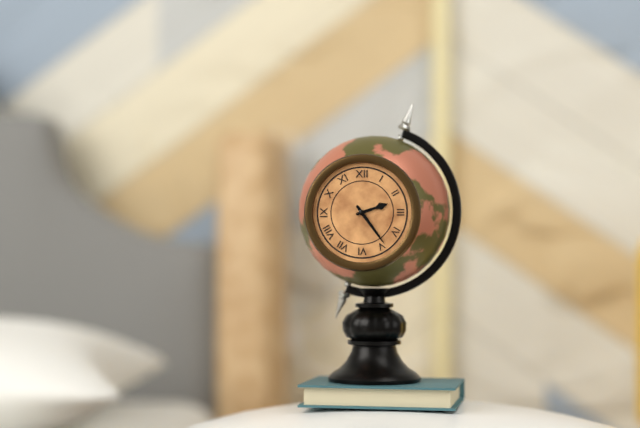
2:24
